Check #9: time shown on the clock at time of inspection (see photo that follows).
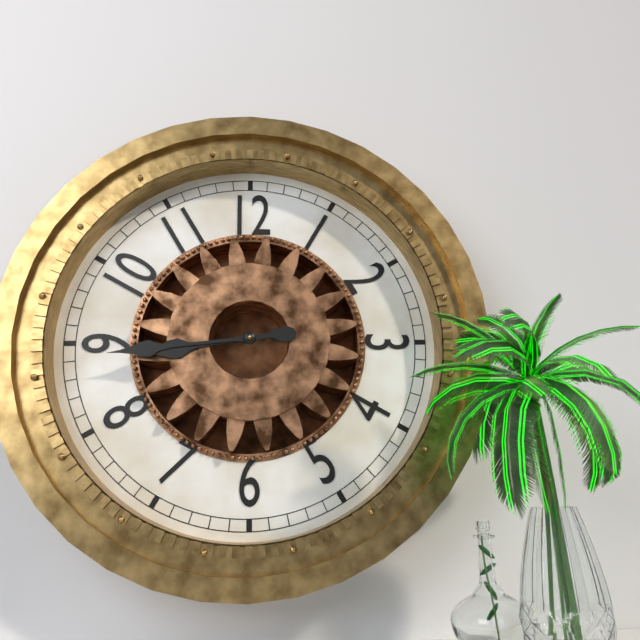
8:44
